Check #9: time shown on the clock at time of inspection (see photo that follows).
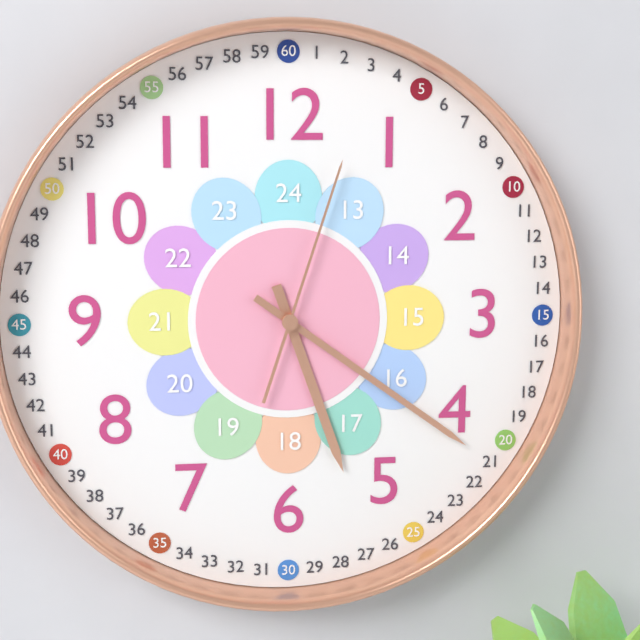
5:21:03
